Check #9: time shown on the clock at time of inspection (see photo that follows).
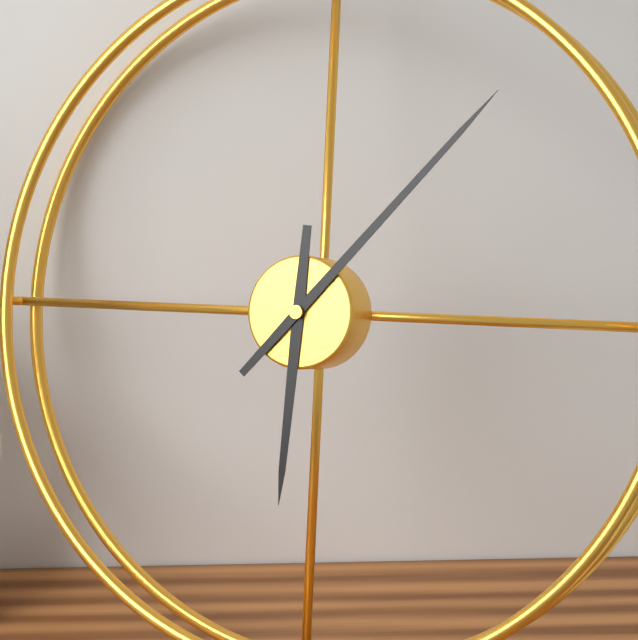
6:07
